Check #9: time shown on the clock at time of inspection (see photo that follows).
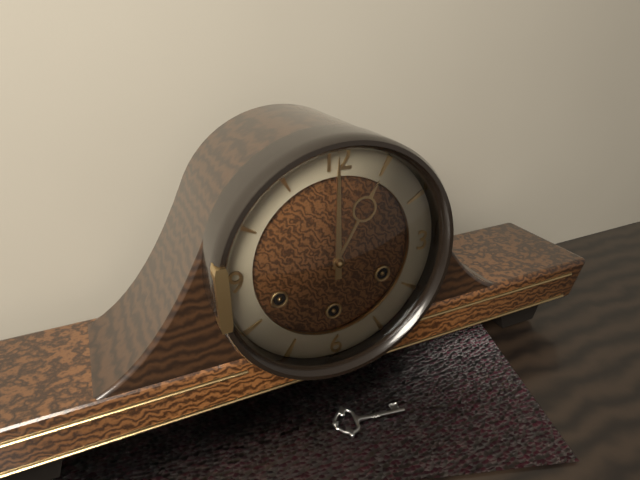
1:00
